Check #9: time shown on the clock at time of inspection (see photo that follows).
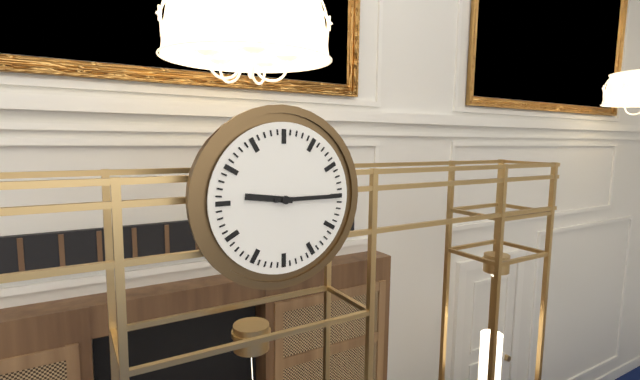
9:15
